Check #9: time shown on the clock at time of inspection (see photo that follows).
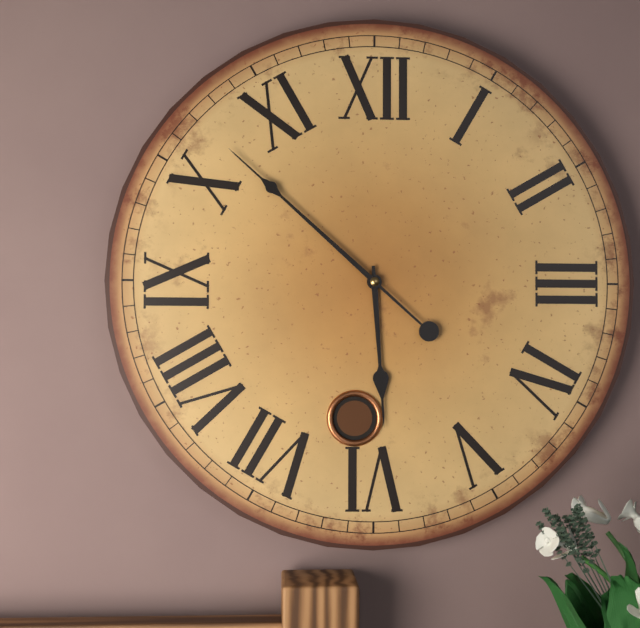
5:52
